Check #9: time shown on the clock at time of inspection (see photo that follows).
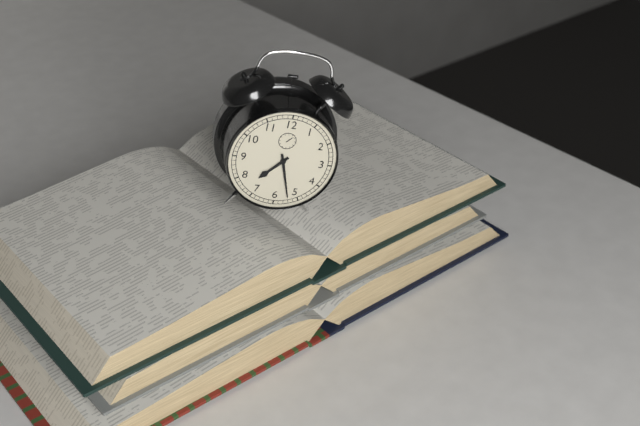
7:27
